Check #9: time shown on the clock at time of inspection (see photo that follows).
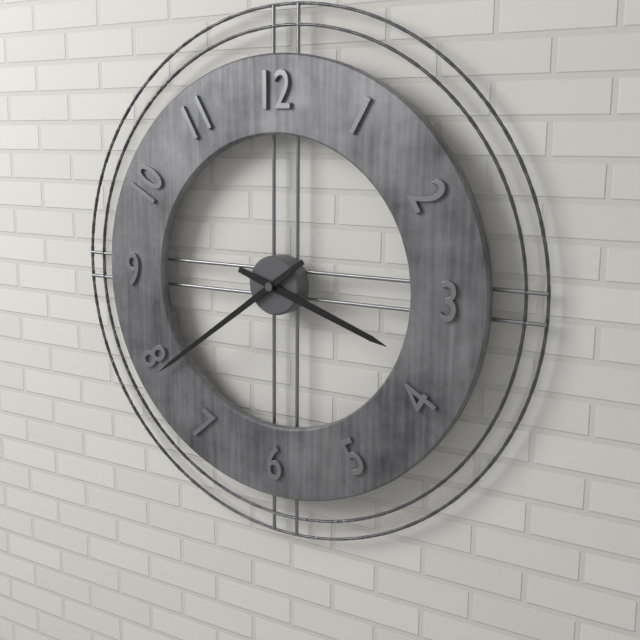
3:39
